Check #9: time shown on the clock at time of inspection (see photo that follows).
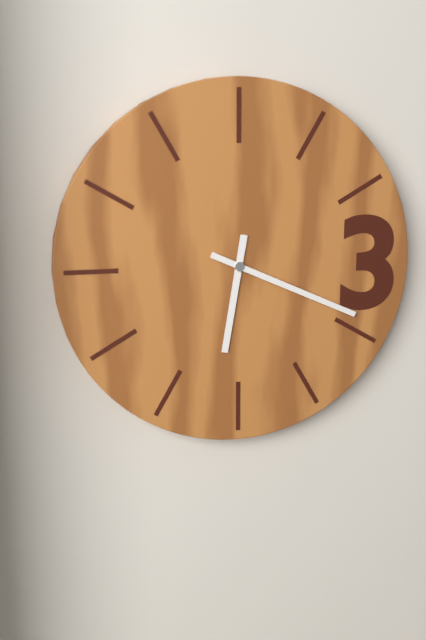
6:19
